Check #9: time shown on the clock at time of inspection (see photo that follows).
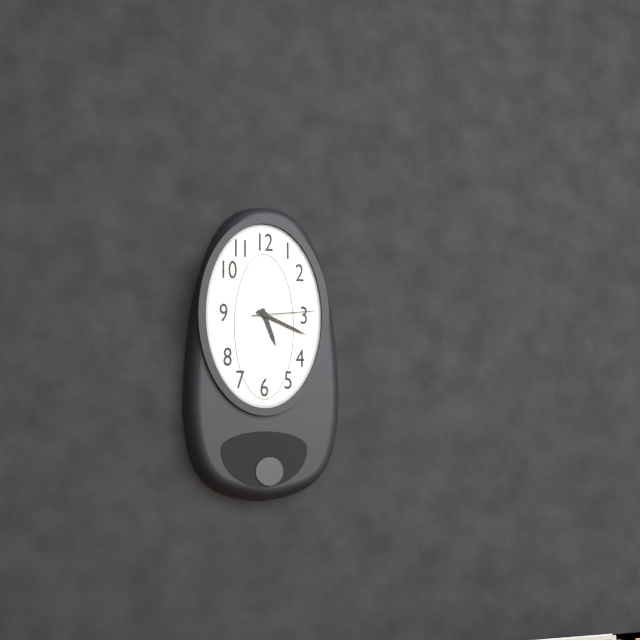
5:19:14
